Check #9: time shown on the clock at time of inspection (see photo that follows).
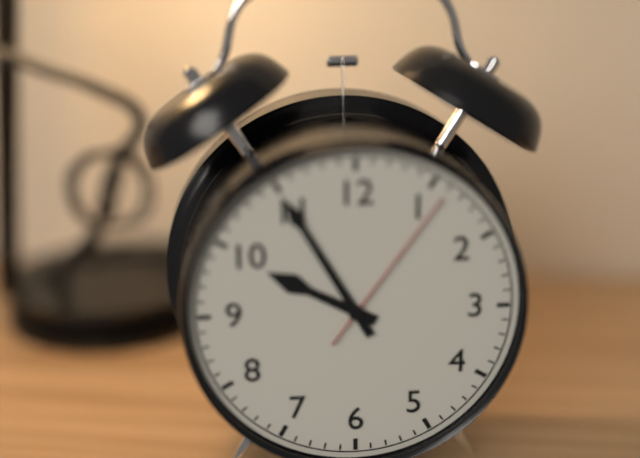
9:55:06
